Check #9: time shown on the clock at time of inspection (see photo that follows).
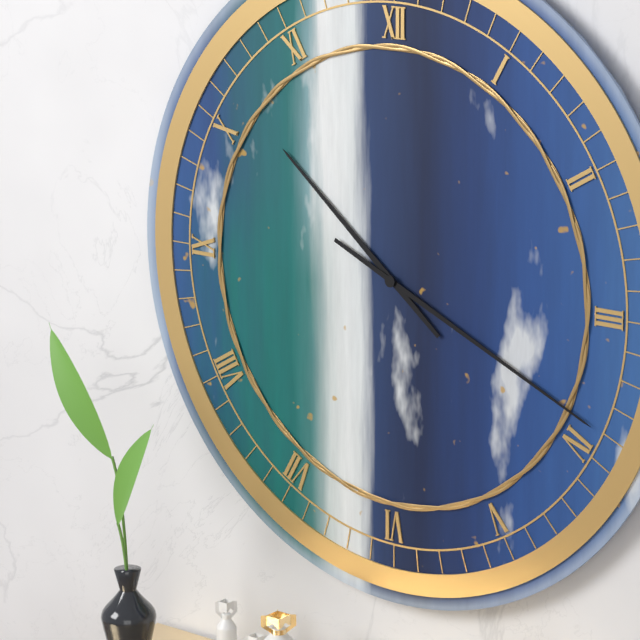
10:19
